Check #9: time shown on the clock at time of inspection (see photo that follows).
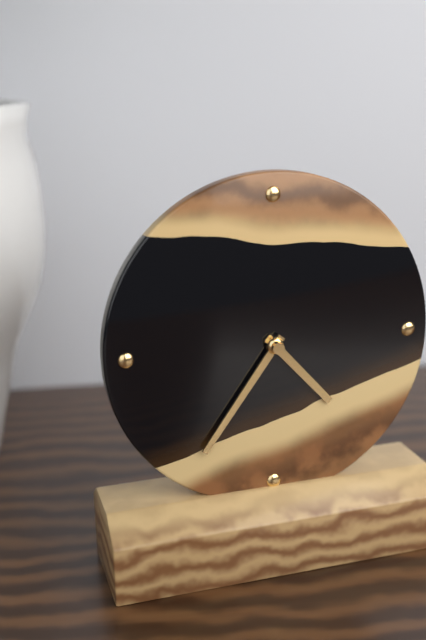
4:36
